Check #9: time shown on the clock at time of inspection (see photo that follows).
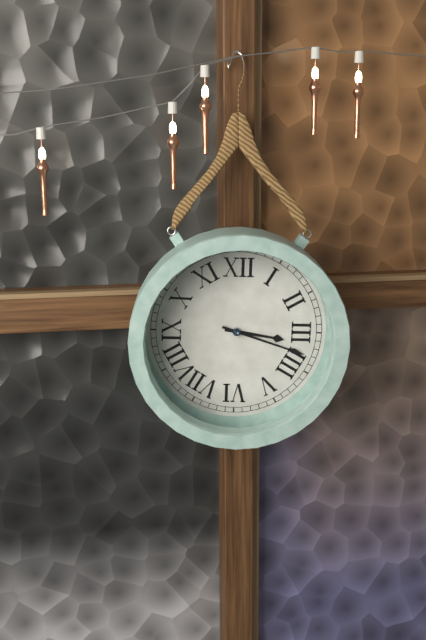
3:18
